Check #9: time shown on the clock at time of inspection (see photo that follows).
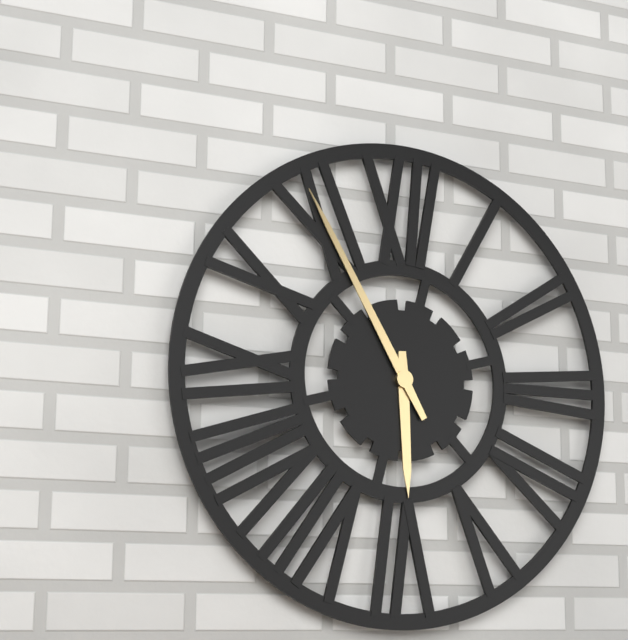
5:55
